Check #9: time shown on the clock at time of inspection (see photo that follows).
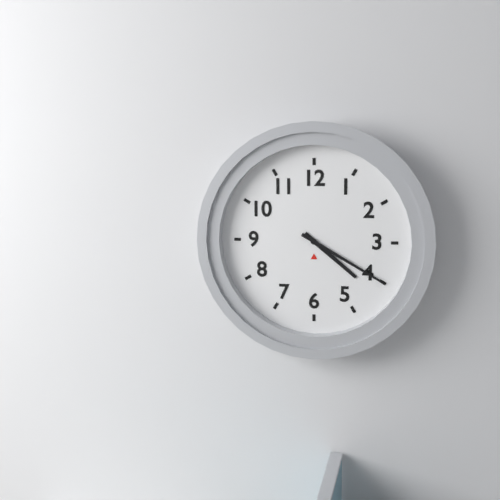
4:20
